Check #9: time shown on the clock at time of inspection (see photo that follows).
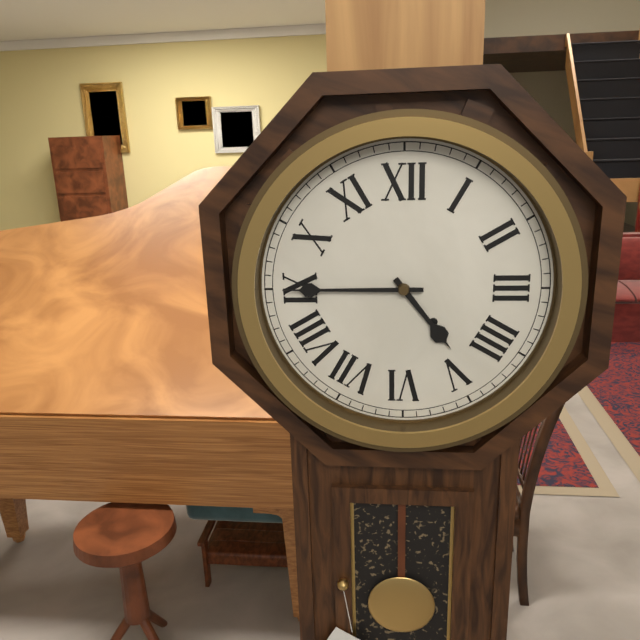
4:45
